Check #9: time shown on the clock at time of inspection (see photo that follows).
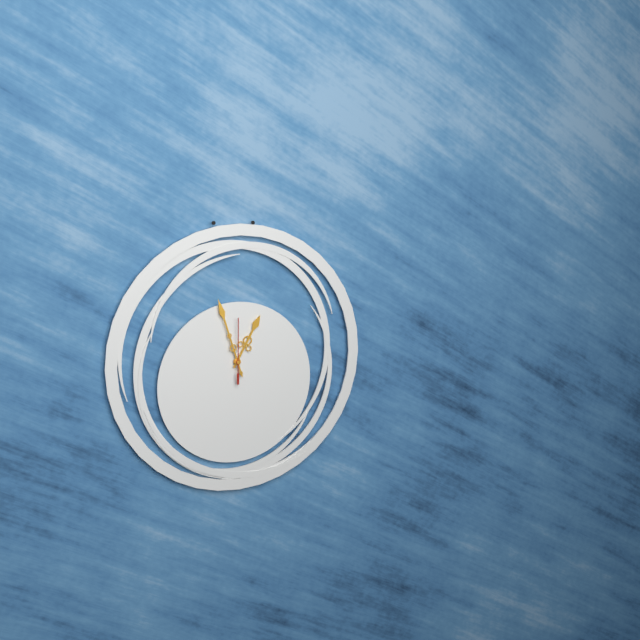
12:57:00
